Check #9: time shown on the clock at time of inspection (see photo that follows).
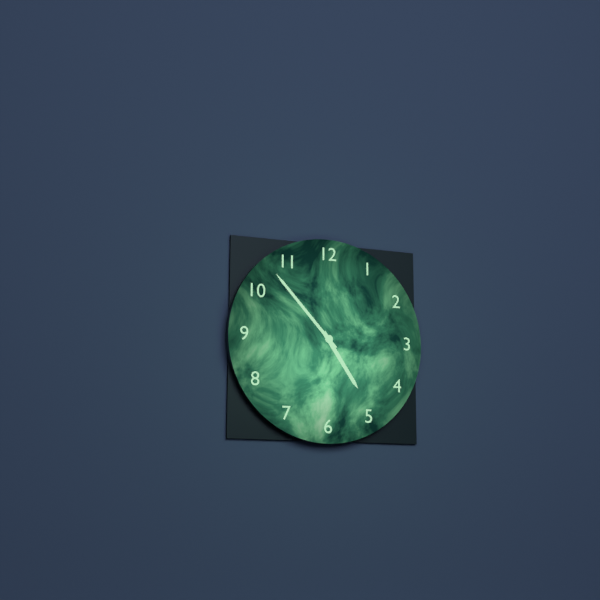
4:53
